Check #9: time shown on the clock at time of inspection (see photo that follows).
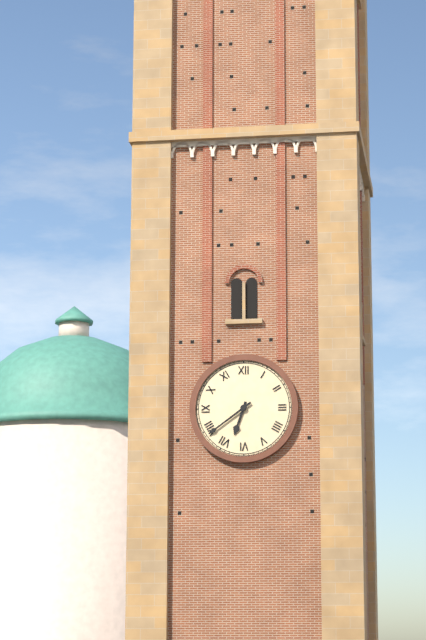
6:39
